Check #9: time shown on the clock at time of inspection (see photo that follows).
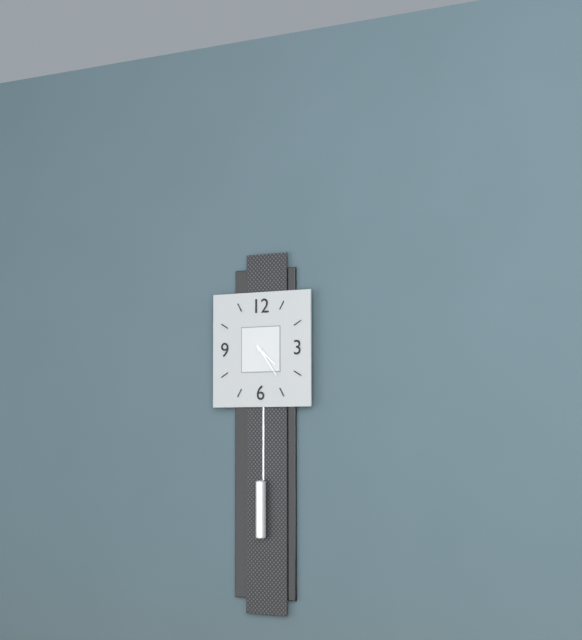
4:24
